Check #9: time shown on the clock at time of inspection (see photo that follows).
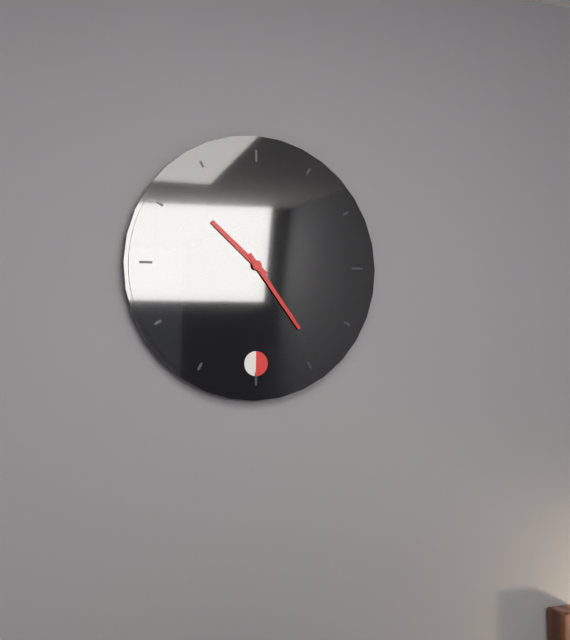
10:24
